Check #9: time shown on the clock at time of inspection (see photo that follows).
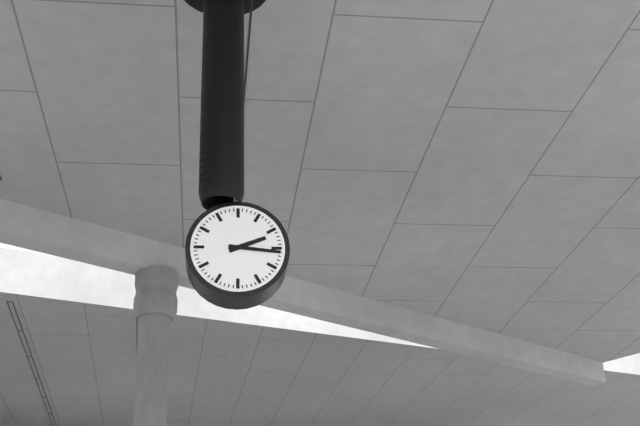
2:16
